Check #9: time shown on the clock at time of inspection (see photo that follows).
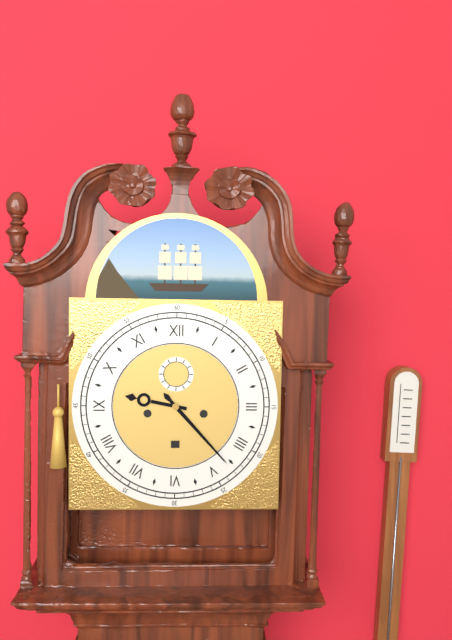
9:23
